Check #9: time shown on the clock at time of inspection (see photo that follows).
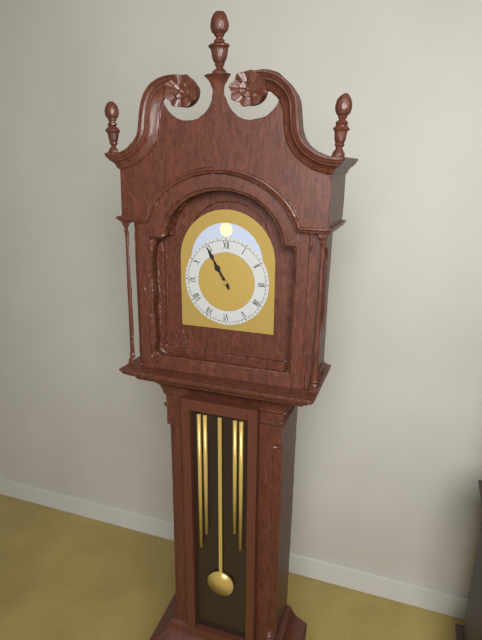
10:55
